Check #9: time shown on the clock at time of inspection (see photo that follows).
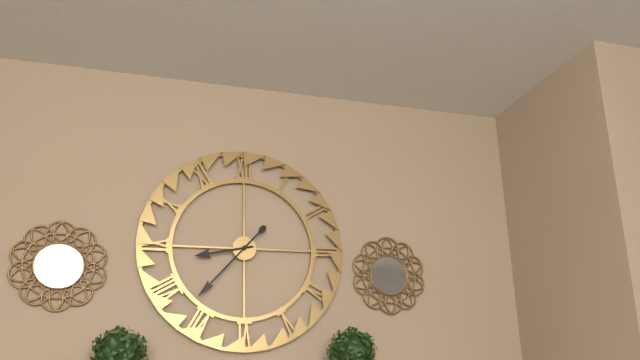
8:37
